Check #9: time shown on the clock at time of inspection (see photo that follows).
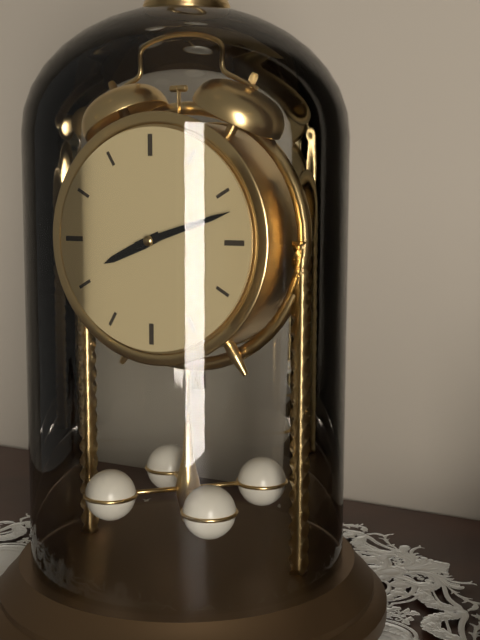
8:12
